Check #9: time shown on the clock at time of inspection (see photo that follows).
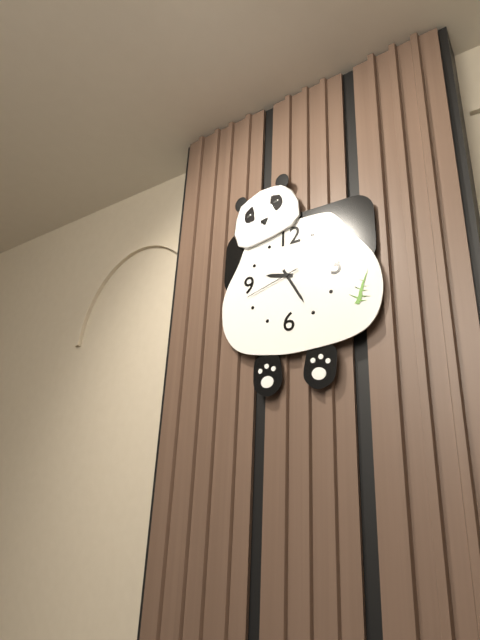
9:25:42
